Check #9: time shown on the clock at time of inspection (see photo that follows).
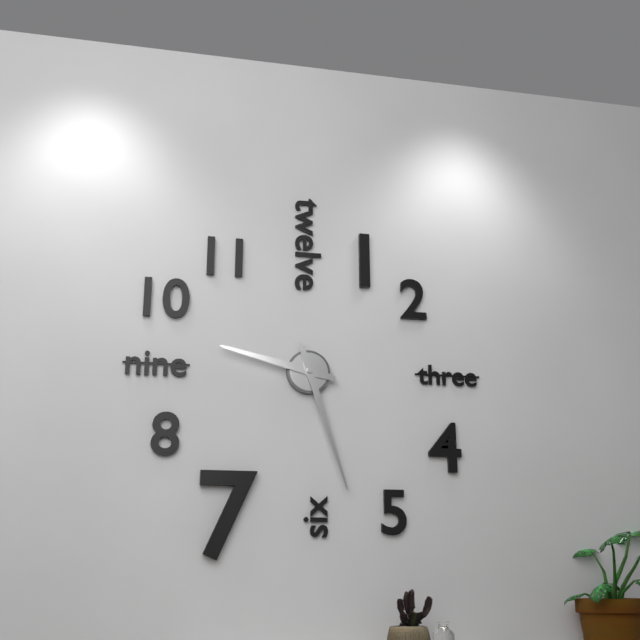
9:27
